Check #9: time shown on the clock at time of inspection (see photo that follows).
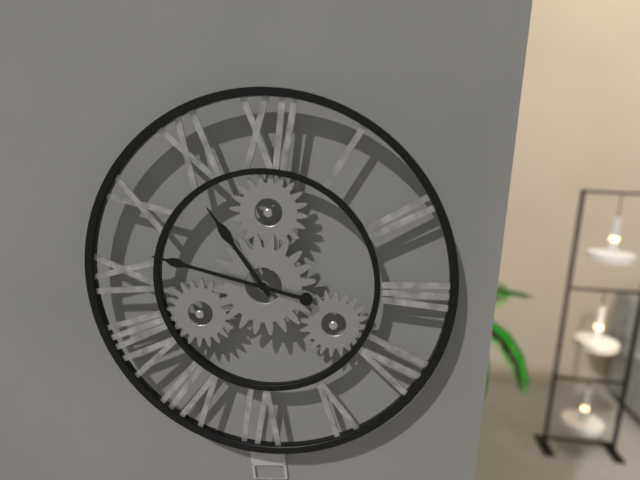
10:47
